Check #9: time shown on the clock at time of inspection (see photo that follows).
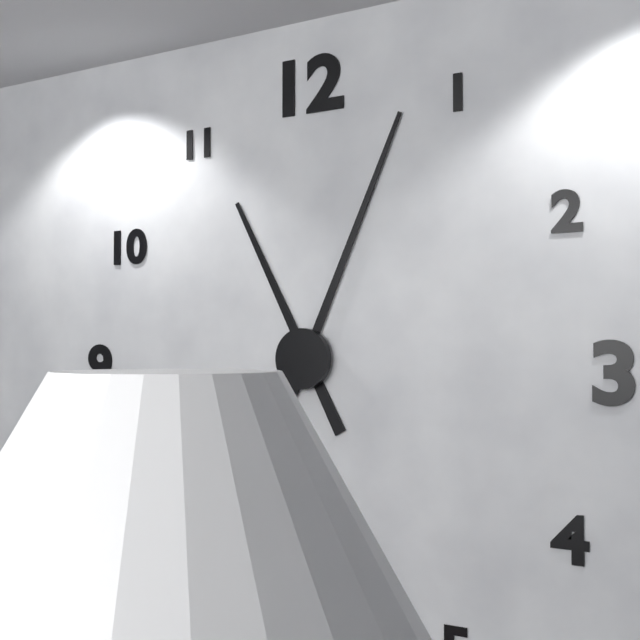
11:04
